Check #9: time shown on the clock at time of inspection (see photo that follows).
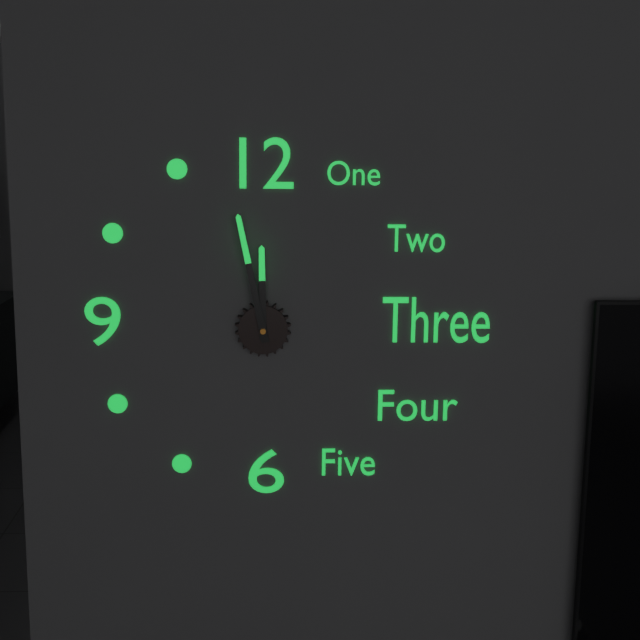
11:58
